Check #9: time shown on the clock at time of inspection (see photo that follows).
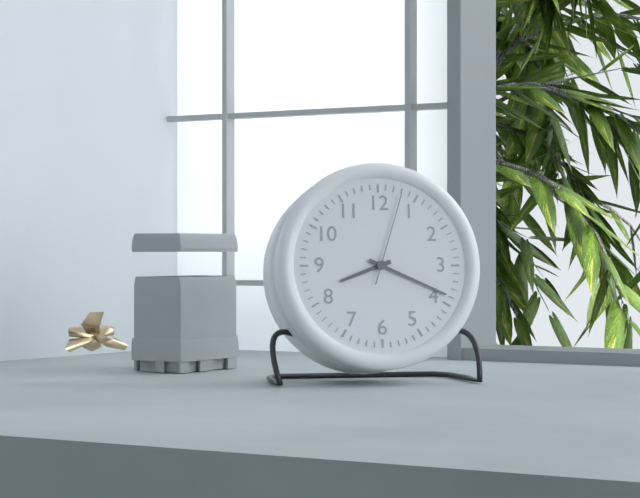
8:19:03
